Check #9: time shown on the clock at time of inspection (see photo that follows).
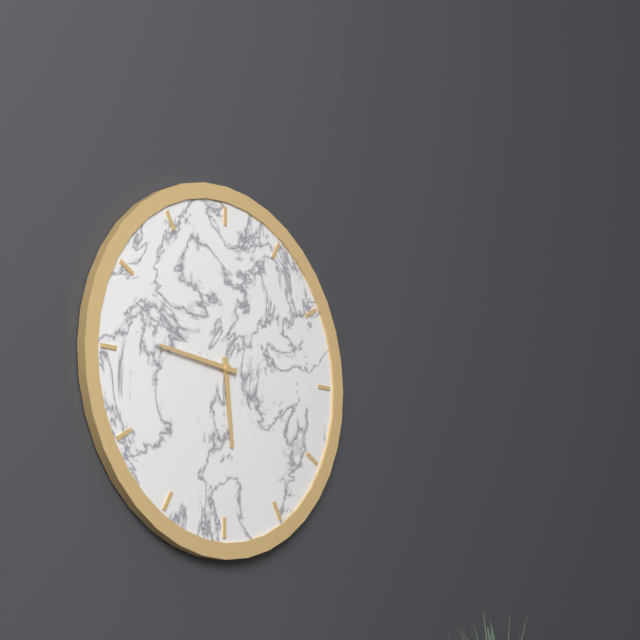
5:46
